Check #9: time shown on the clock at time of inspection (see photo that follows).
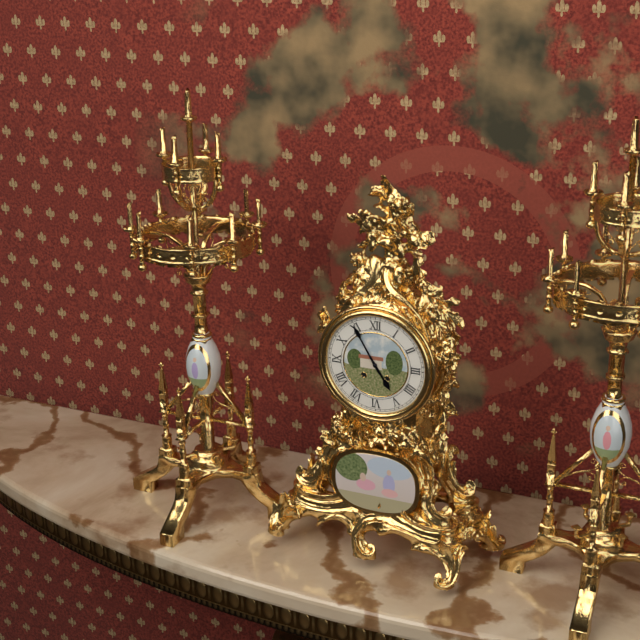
4:55
